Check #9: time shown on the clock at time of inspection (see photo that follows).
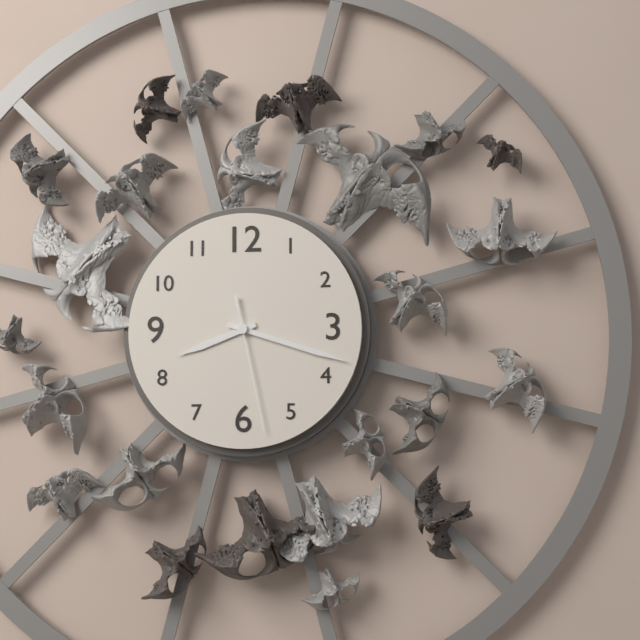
8:18:28
